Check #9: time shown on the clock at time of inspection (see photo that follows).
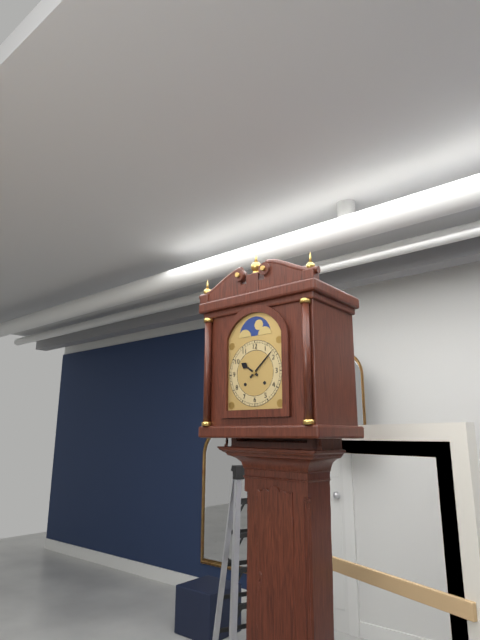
10:08
